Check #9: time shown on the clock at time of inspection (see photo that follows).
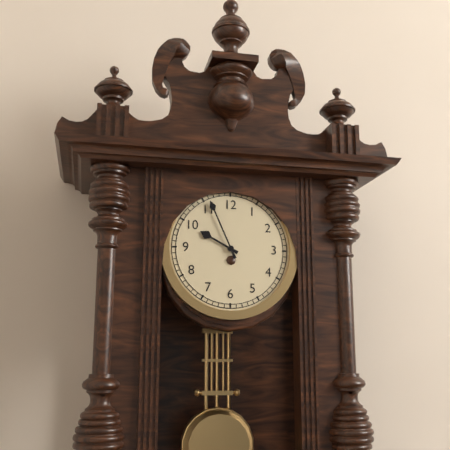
9:56
